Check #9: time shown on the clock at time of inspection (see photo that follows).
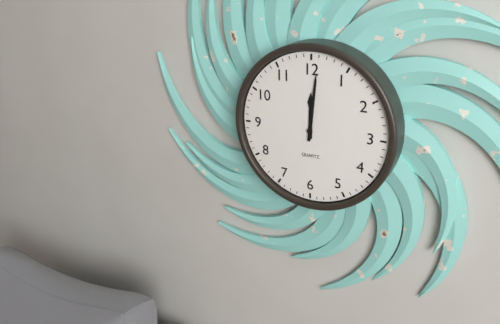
12:01
